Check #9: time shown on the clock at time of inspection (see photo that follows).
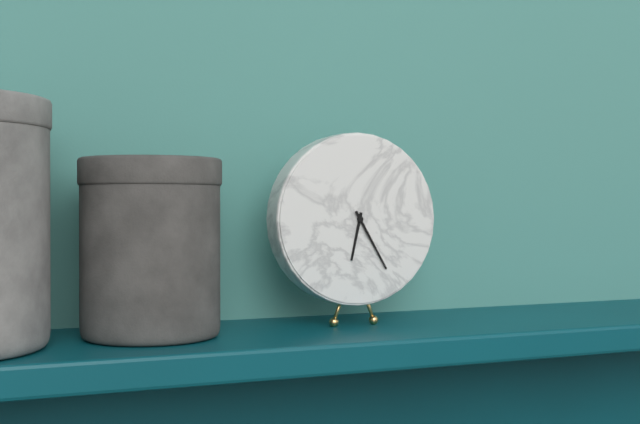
6:25
